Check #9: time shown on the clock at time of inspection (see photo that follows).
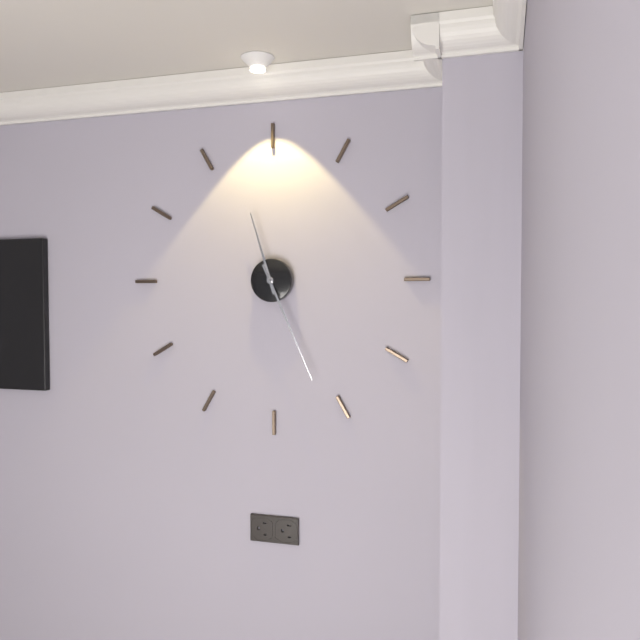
11:26
